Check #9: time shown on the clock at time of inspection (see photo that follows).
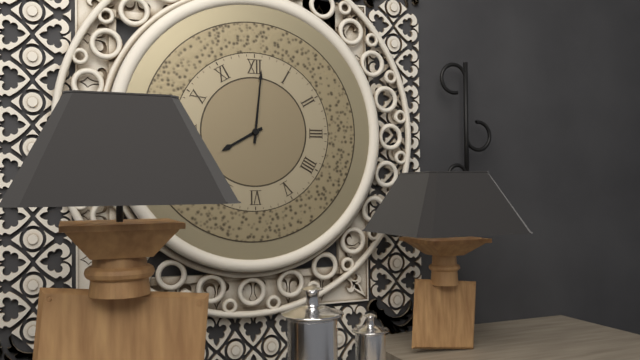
8:01
